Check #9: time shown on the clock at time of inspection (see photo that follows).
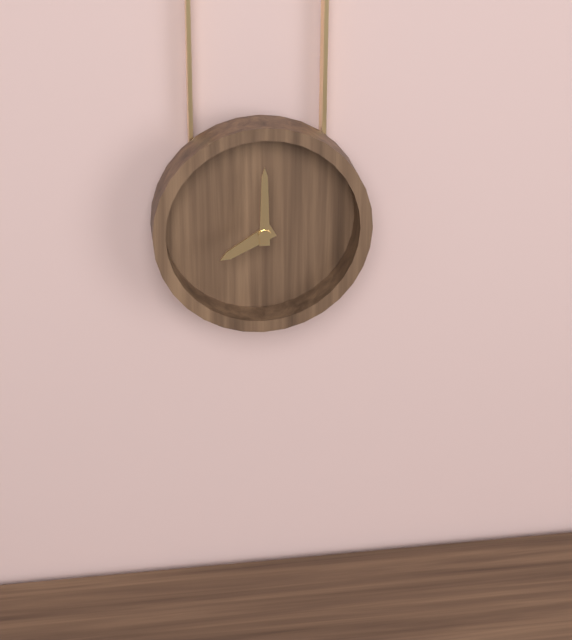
8:00
